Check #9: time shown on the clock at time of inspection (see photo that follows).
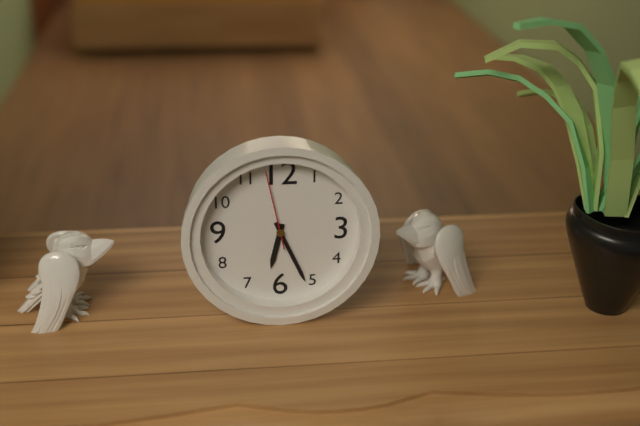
6:26:58
